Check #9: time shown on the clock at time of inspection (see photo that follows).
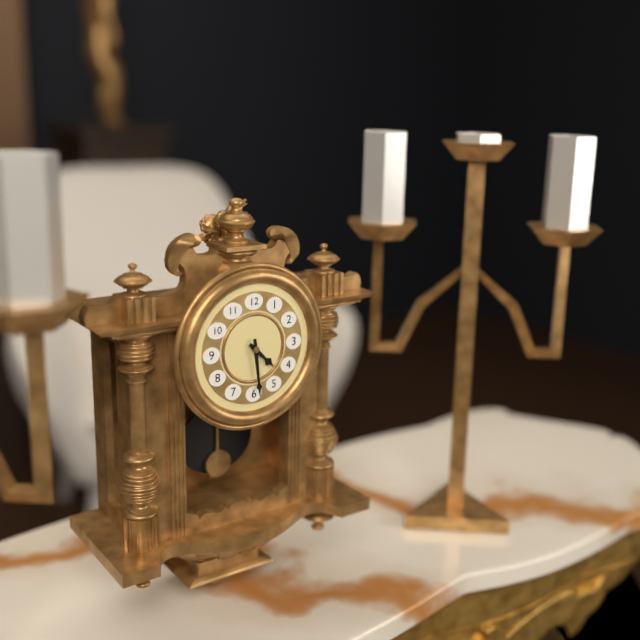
4:29
